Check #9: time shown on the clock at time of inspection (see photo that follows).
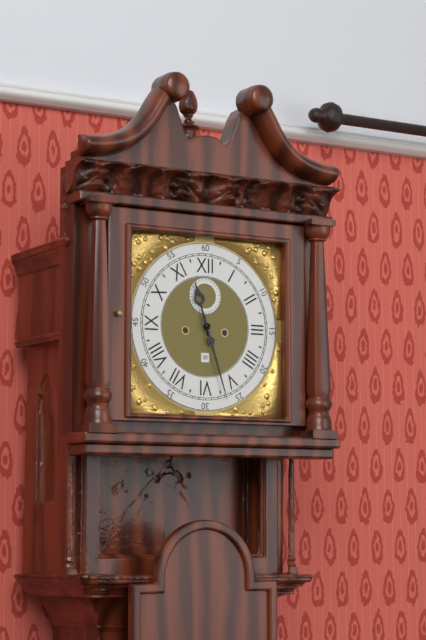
11:27
